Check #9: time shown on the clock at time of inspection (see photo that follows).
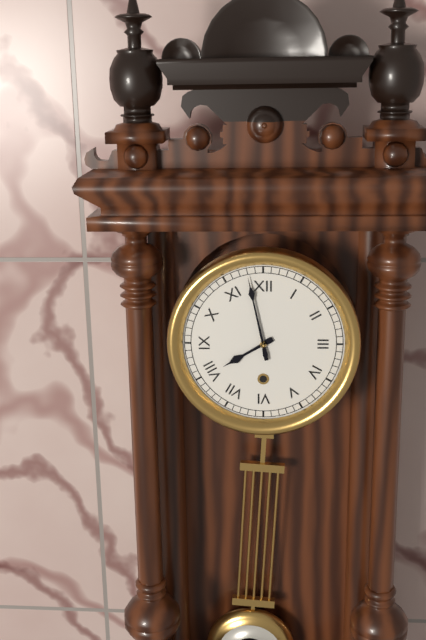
7:58
